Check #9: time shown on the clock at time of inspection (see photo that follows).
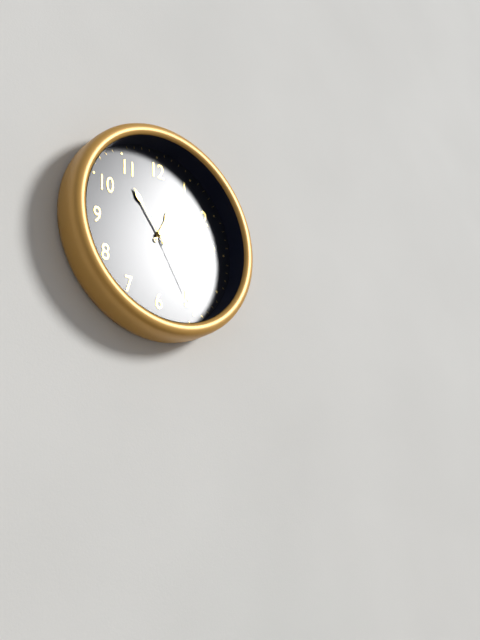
12:54:25
